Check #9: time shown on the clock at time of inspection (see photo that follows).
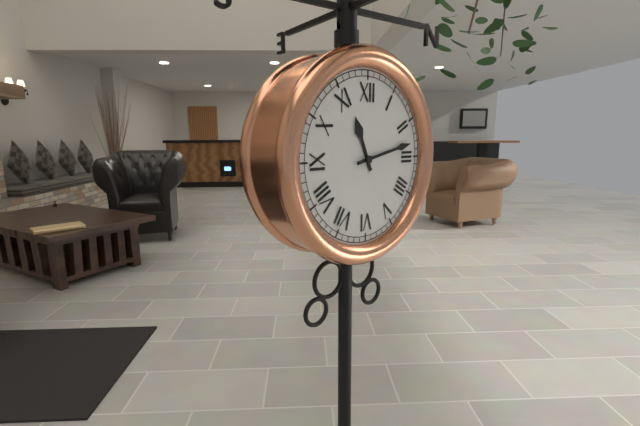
11:13
